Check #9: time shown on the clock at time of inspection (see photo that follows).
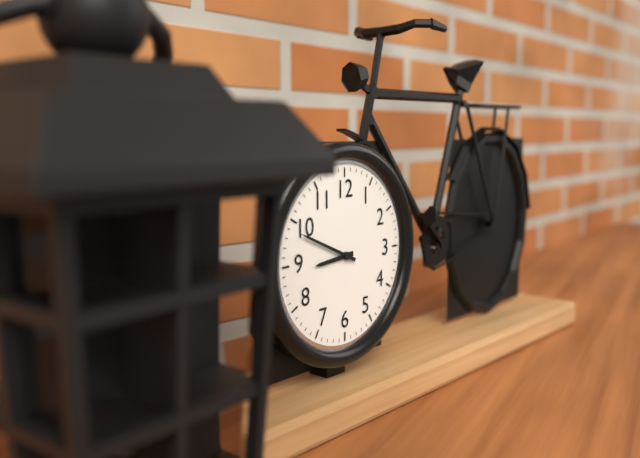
8:49
